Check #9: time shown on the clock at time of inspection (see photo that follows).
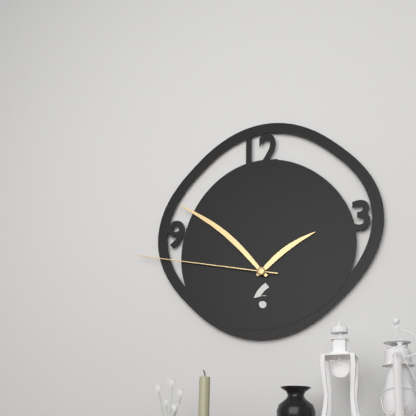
1:52:47
